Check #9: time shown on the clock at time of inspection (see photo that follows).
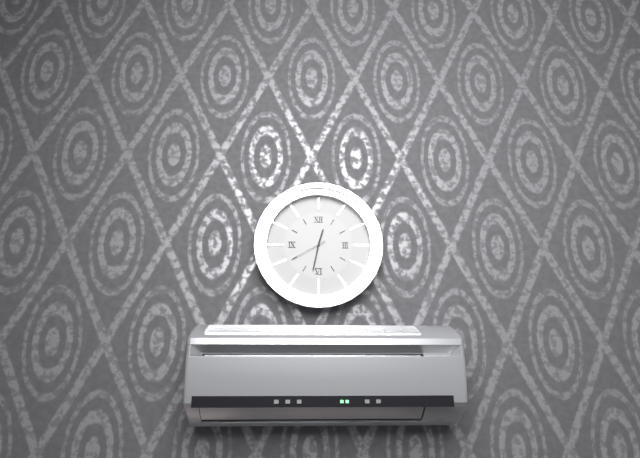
12:32
